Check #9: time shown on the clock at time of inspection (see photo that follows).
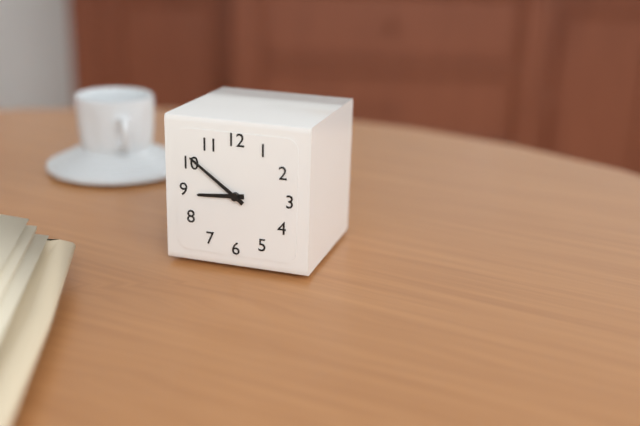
8:51
